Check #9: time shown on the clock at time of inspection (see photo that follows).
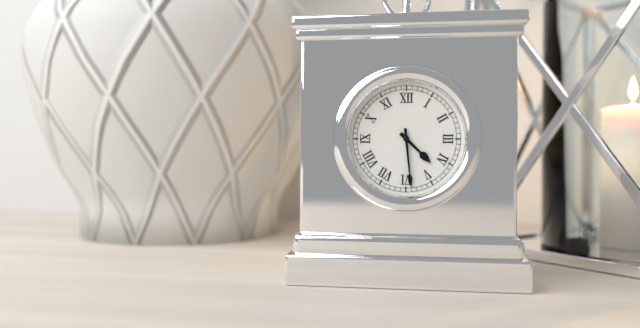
4:29
